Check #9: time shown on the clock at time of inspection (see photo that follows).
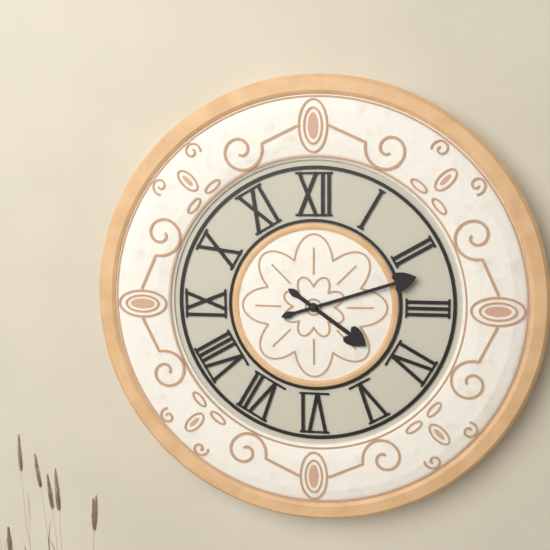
4:12
